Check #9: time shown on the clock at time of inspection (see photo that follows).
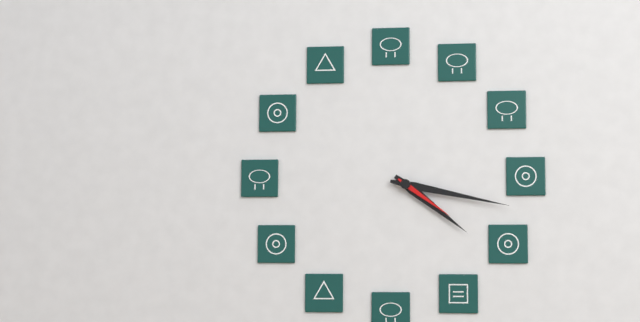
4:17:21
